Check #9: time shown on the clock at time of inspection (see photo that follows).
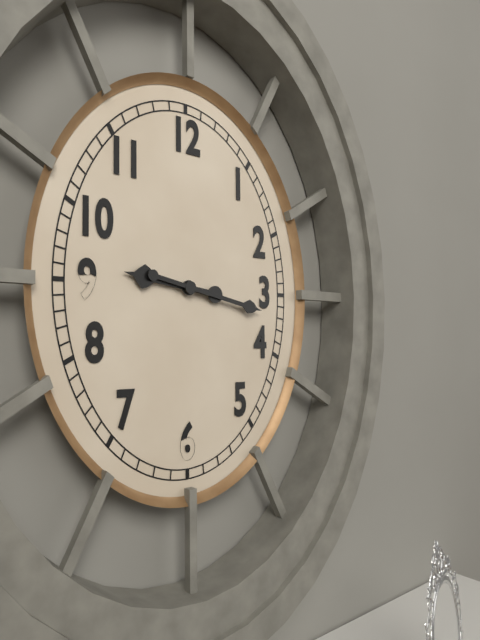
9:17
